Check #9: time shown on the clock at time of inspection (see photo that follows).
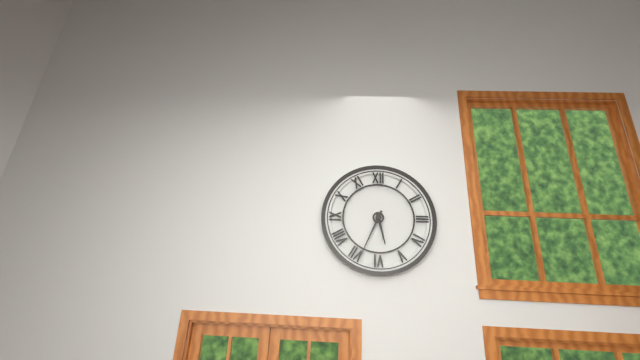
5:34
